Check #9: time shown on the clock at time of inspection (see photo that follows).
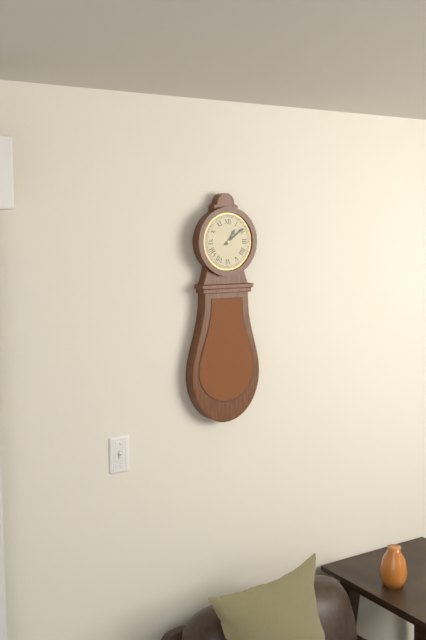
1:09
